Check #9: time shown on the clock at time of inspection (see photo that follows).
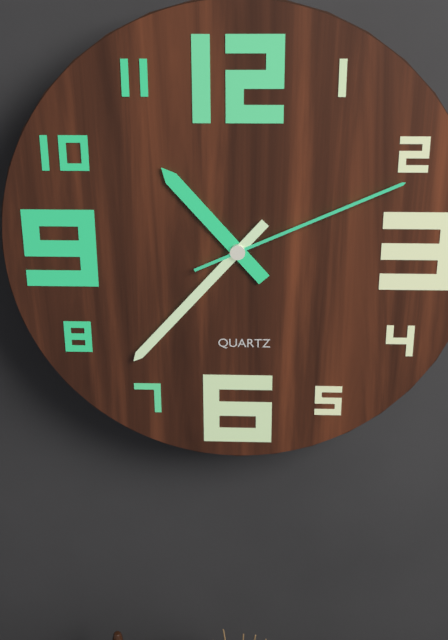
10:37:11
